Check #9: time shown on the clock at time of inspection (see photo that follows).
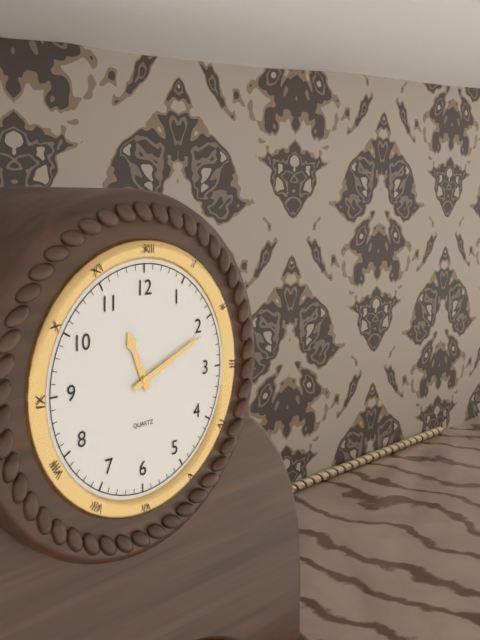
11:11
